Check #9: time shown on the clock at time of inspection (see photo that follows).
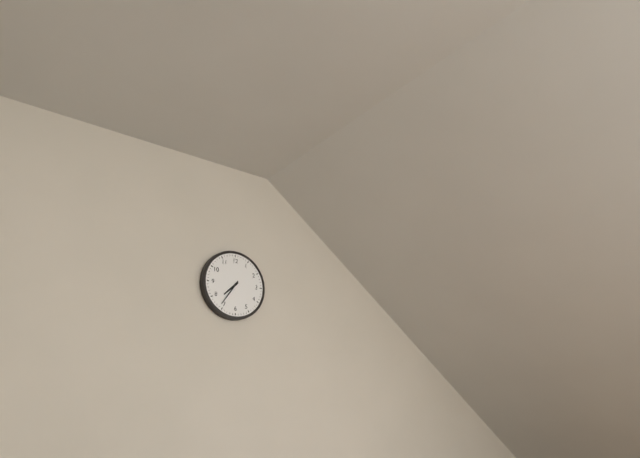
7:36
